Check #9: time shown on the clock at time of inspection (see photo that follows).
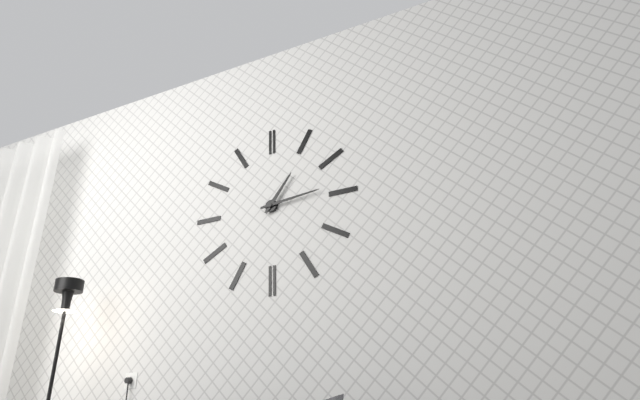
1:14
